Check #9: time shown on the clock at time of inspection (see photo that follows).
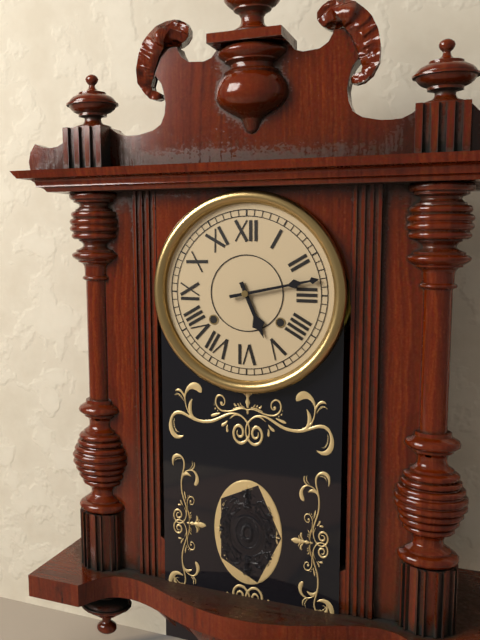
5:13
